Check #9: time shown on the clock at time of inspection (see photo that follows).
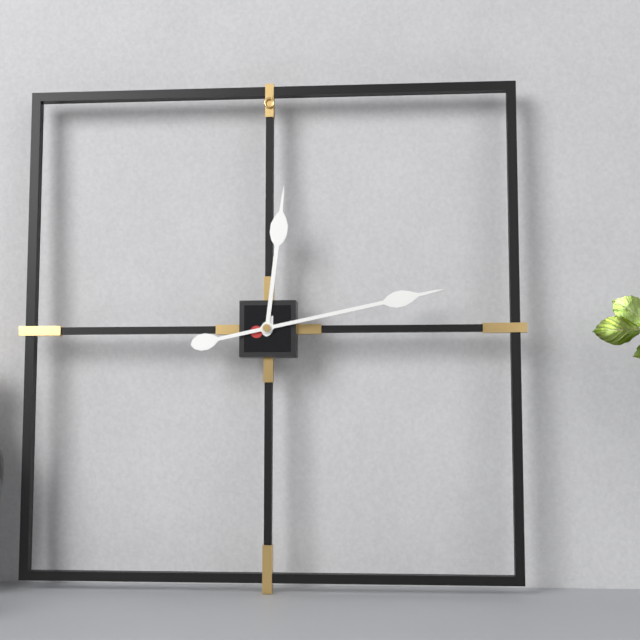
12:13
